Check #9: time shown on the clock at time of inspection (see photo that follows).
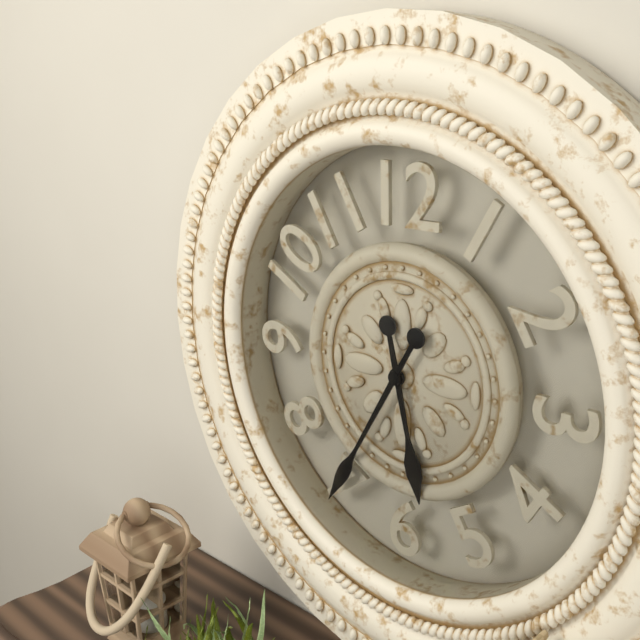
5:35
